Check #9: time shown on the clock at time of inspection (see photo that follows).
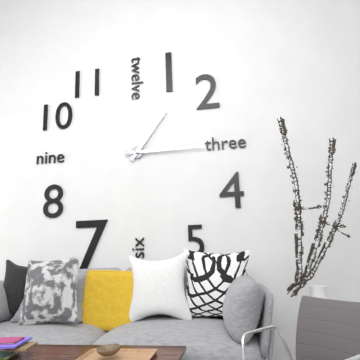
1:15
